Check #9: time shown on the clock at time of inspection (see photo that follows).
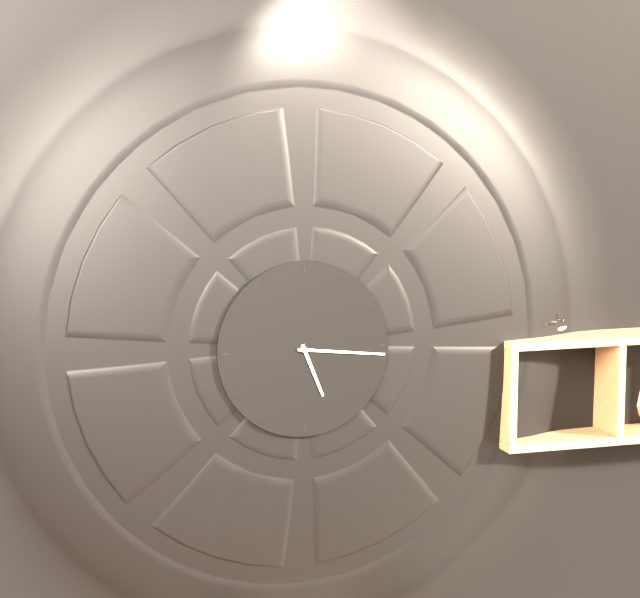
5:16
